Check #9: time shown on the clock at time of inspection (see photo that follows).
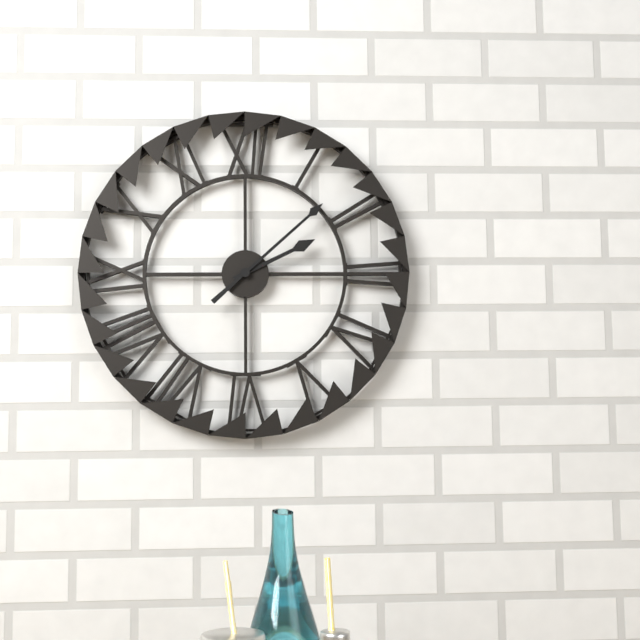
2:08
